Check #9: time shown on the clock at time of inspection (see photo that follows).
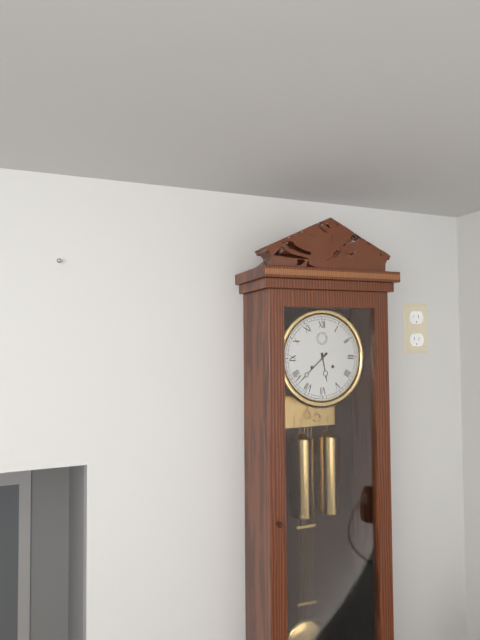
5:38
